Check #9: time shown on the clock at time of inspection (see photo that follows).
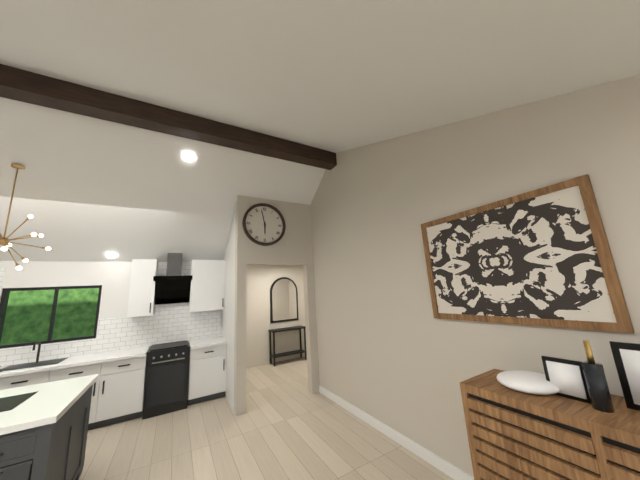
5:58
